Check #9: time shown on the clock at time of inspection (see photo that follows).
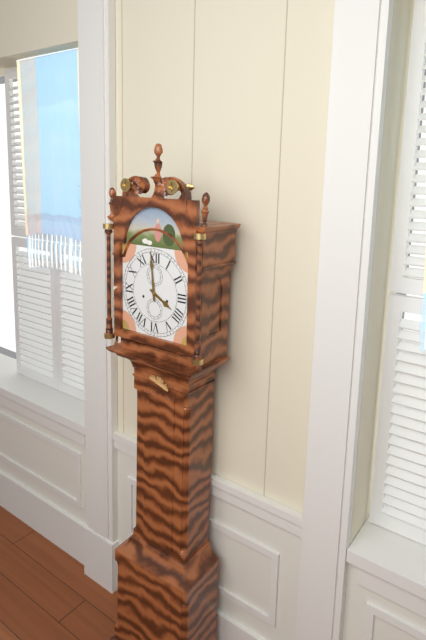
3:59
